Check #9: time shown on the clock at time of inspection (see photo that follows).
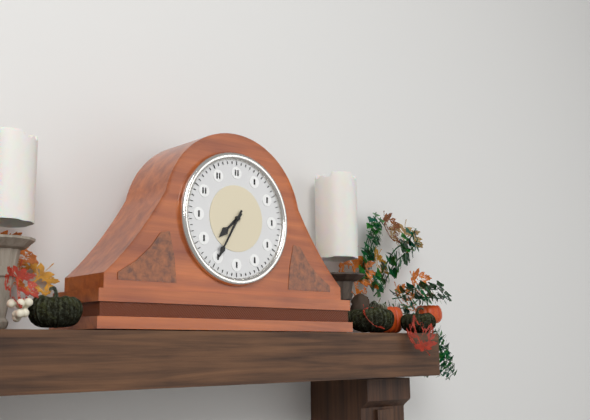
7:35
